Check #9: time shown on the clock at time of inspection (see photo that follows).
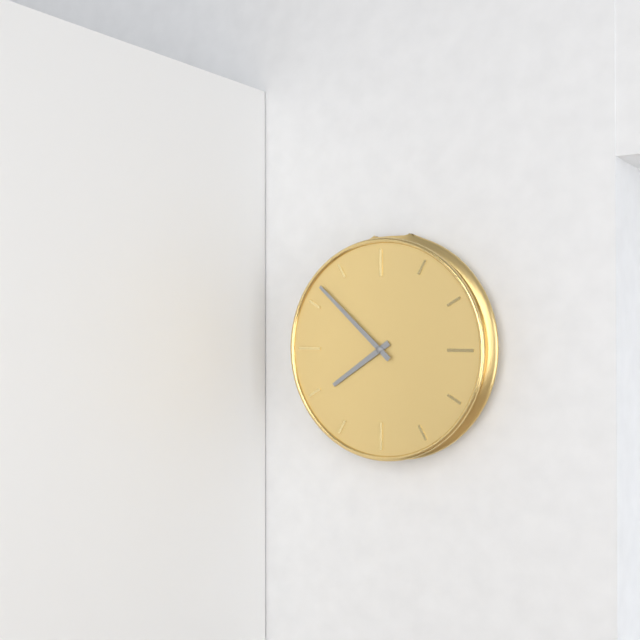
7:52
